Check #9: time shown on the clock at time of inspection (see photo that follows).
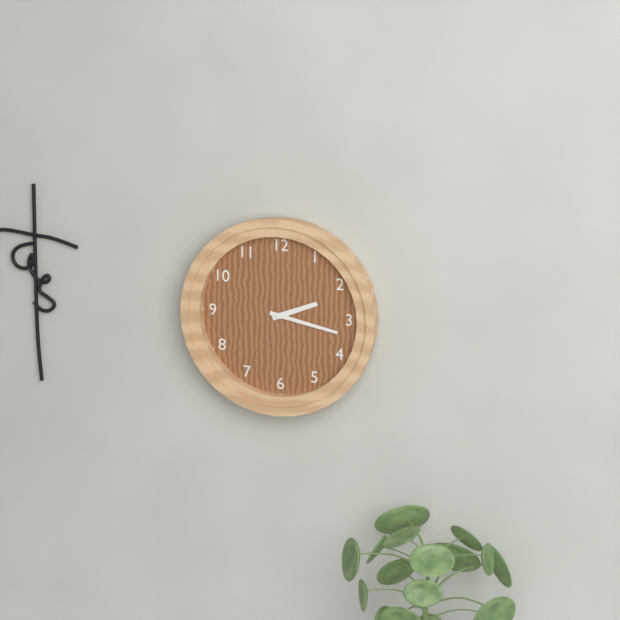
2:17
